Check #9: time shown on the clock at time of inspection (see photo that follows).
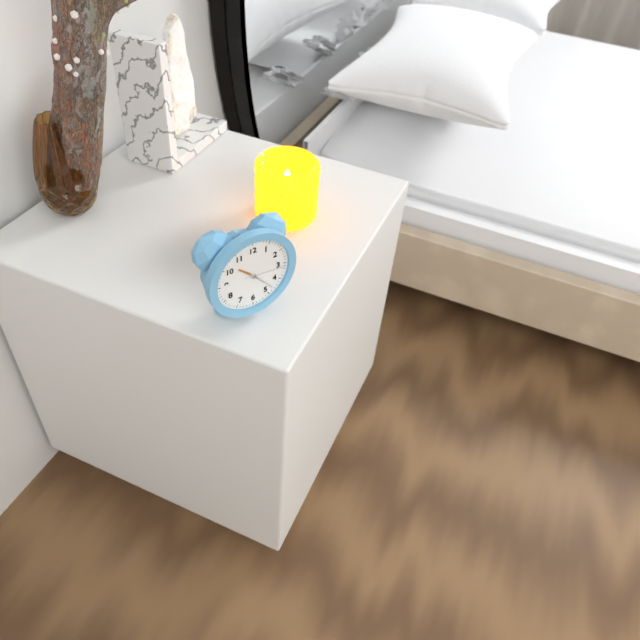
10:23
